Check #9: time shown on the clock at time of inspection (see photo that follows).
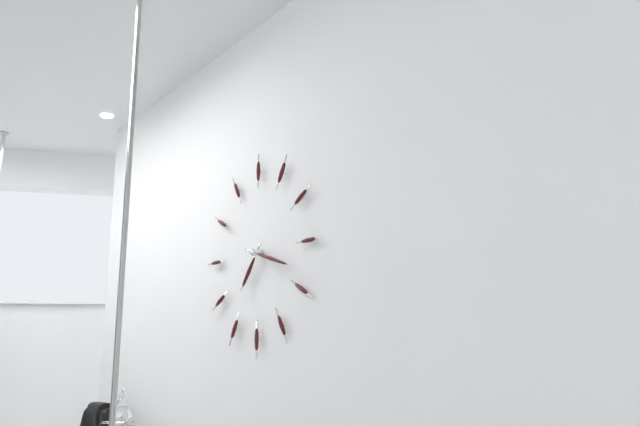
7:18
